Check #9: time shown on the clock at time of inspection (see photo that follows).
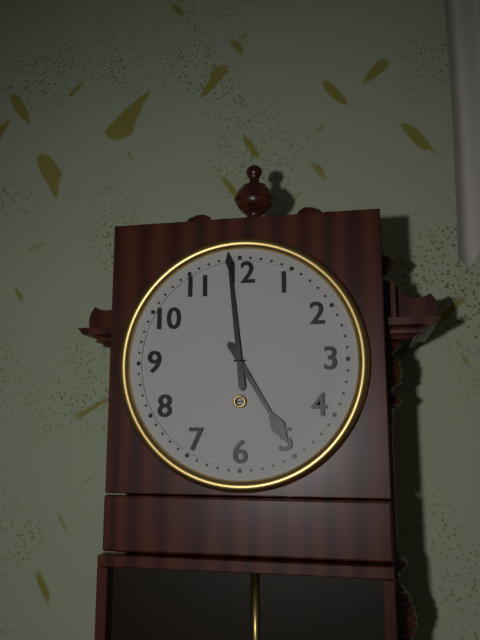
4:59
